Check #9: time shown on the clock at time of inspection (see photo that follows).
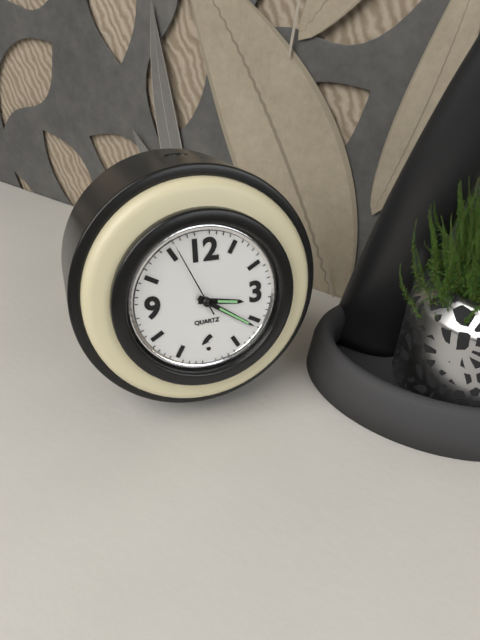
3:21:56
